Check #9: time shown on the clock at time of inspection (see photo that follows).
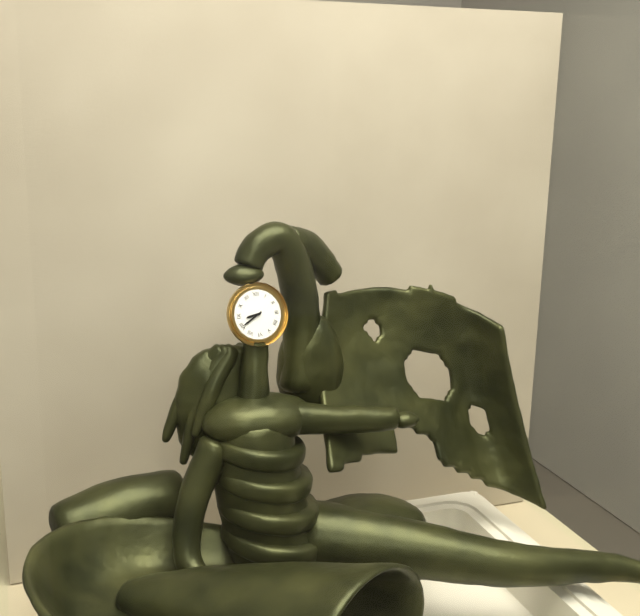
8:40
